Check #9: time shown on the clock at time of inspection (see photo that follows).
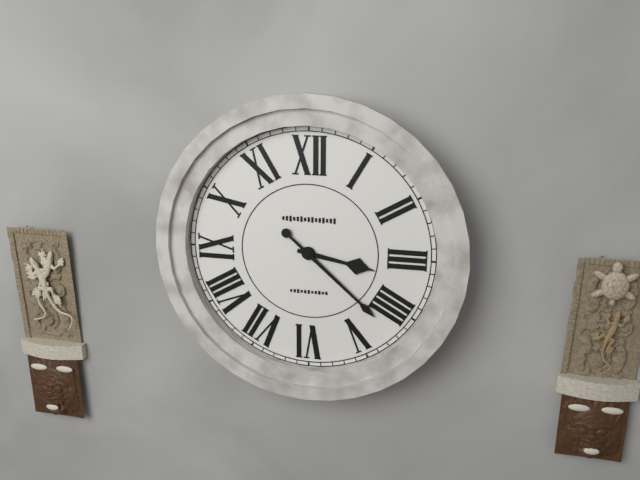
3:22
